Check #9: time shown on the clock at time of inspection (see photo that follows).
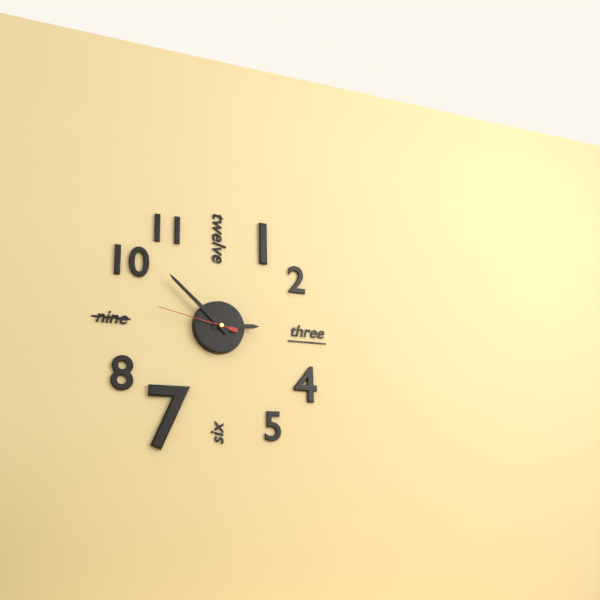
2:52:47
